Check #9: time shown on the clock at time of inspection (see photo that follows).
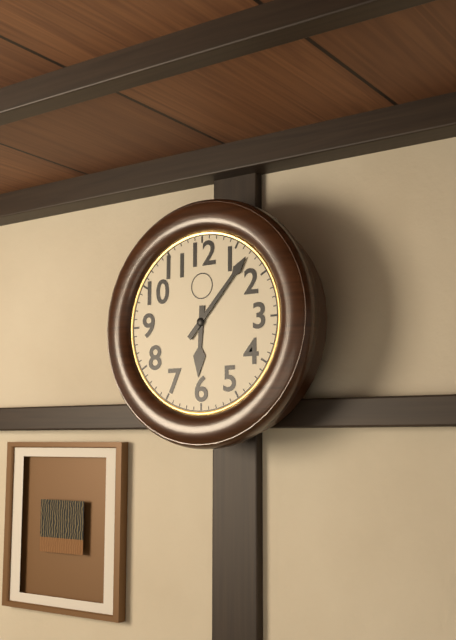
6:07
